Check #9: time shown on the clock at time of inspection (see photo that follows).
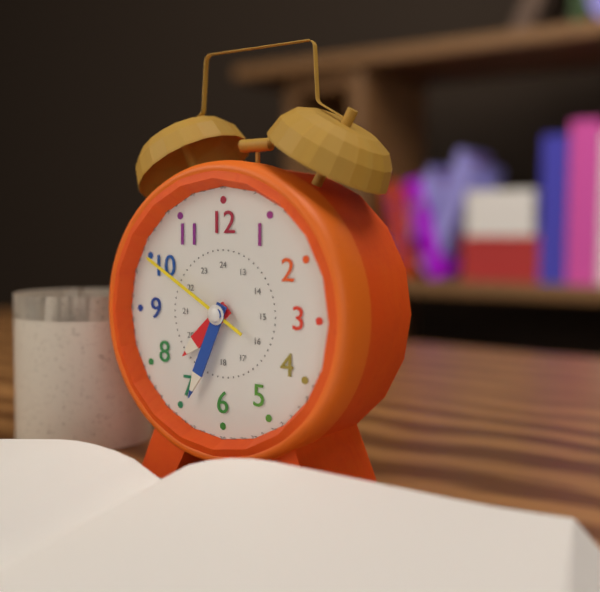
7:34:50
